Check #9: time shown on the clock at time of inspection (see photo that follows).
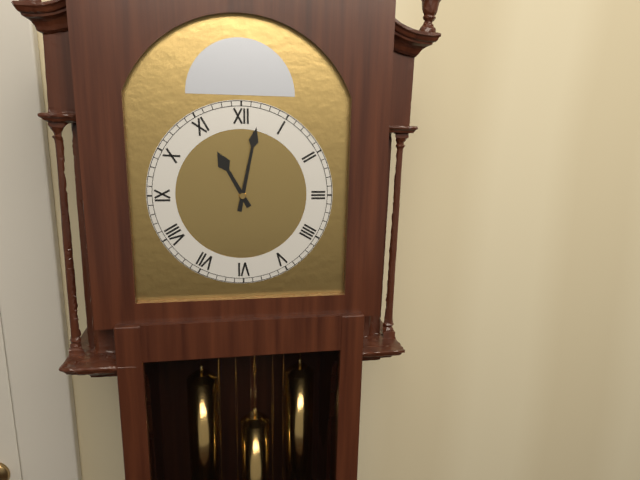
11:02
